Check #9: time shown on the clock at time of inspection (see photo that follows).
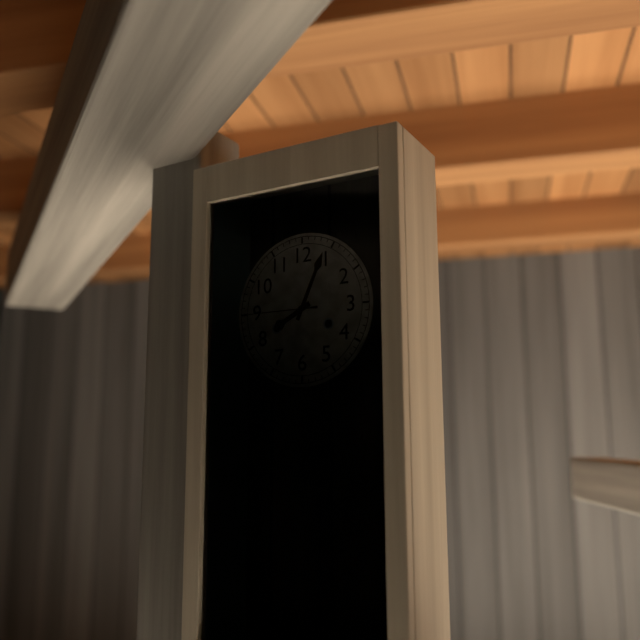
8:04:45
